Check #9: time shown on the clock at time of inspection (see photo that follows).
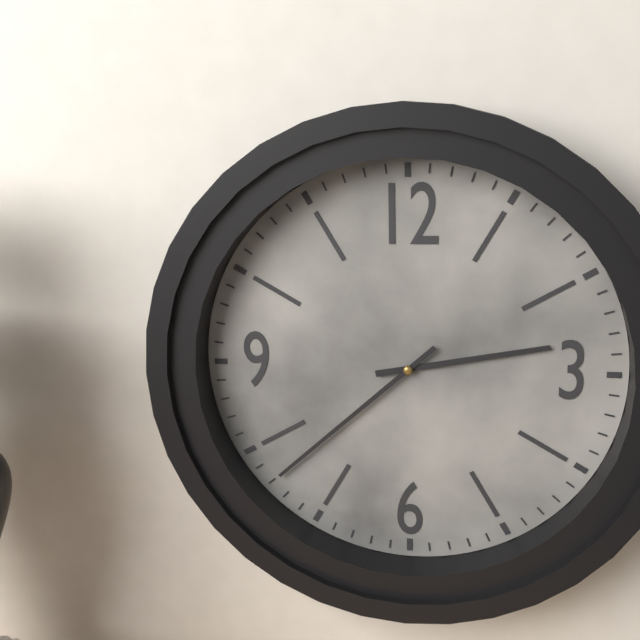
2:38
